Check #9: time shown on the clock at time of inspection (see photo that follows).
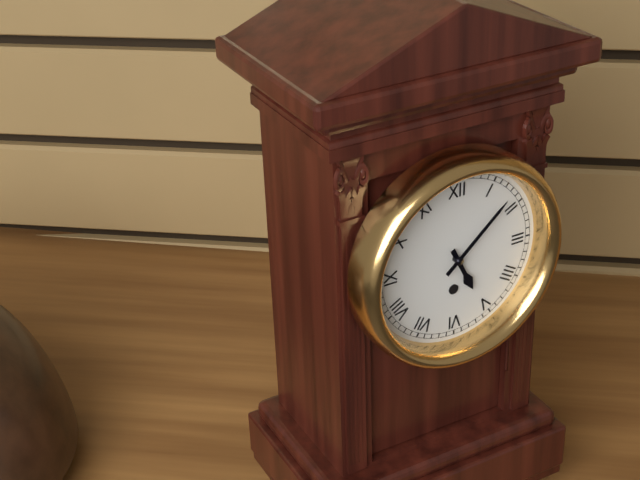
5:08
